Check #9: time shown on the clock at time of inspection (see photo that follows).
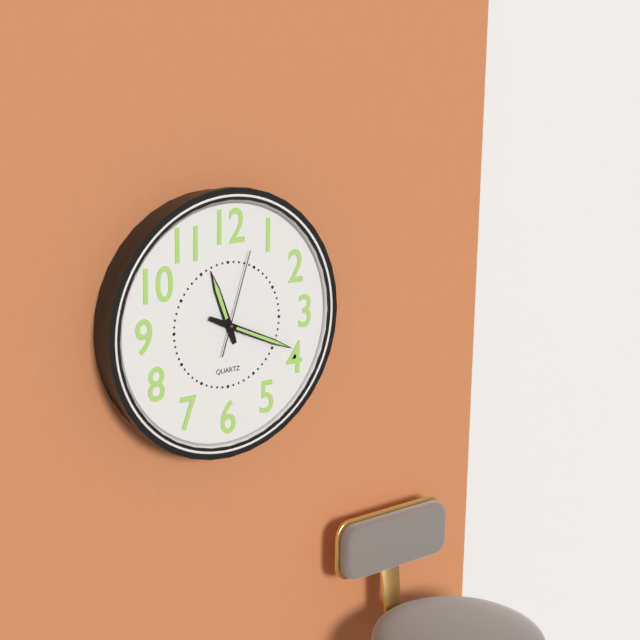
11:19:03
